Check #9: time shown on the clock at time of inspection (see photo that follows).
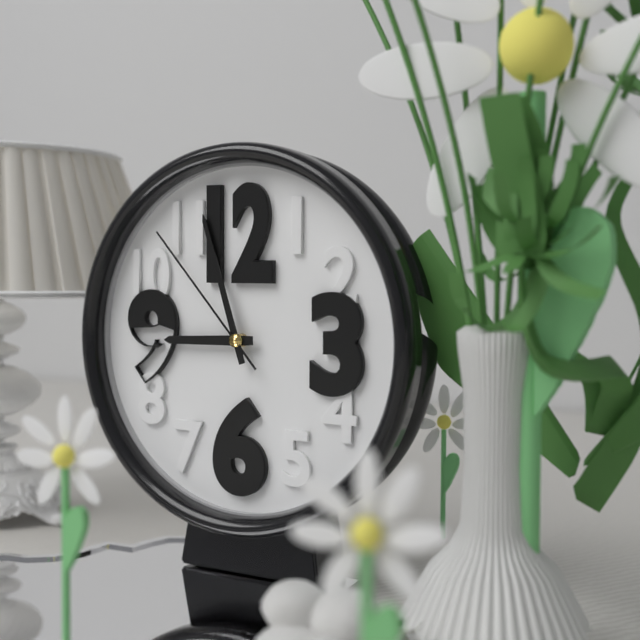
8:57:53
